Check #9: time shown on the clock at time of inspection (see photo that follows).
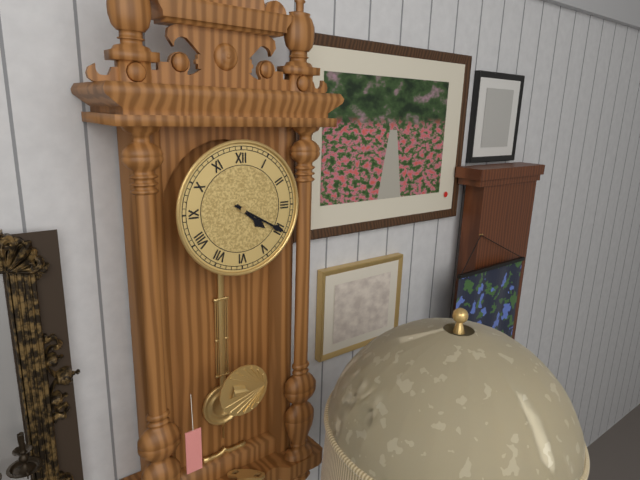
4:20
